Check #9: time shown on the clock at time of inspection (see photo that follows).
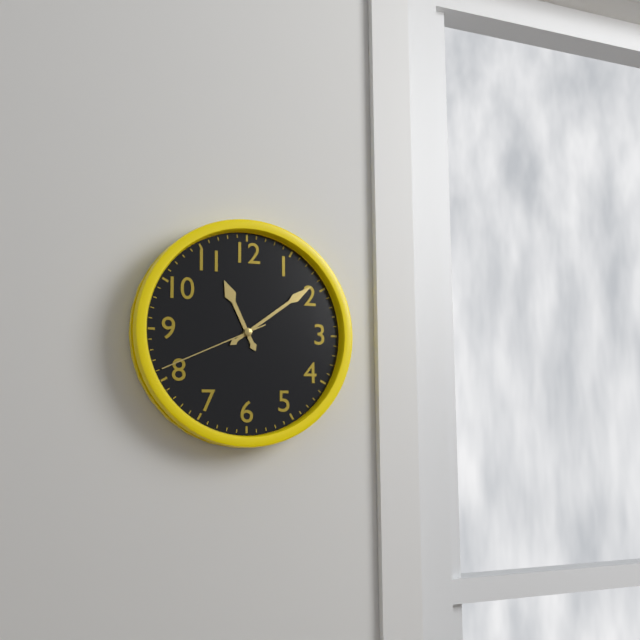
11:09:41
